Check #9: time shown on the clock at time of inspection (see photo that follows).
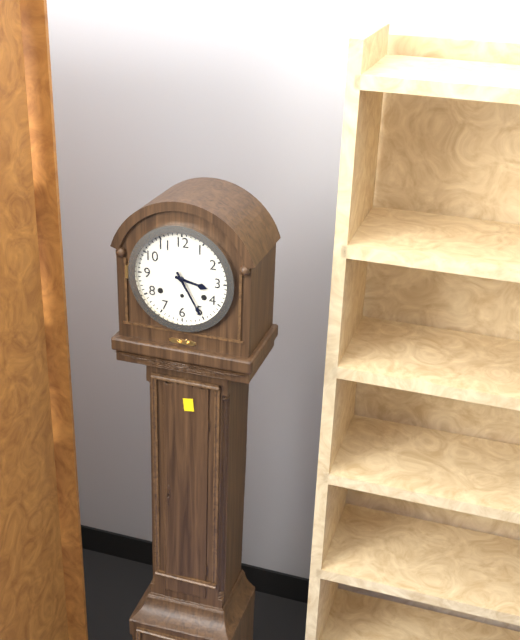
3:25
